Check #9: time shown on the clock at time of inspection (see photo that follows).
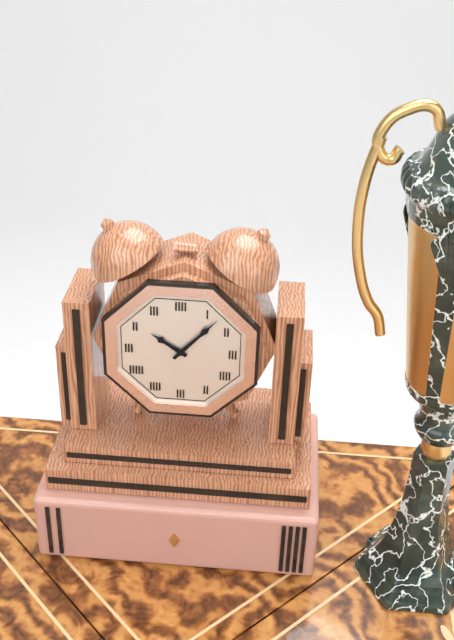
10:07
